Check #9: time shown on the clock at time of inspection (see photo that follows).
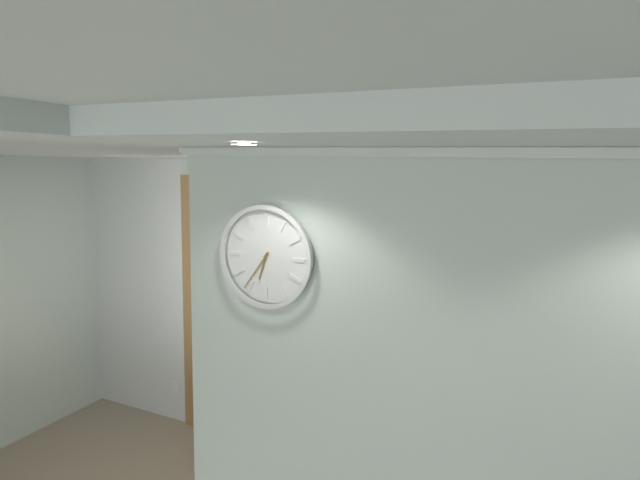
6:36
